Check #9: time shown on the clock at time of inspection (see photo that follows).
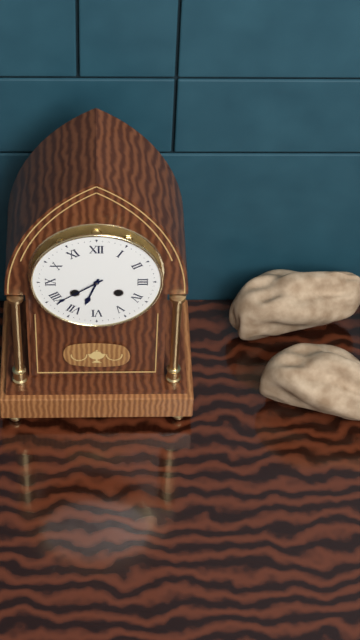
6:39
